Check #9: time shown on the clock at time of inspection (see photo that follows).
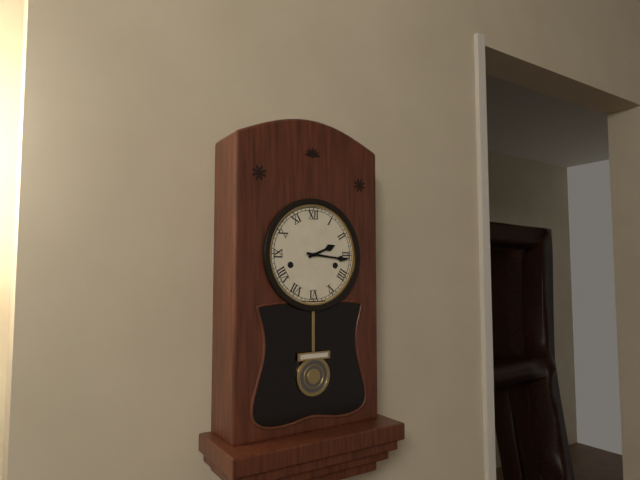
2:16
